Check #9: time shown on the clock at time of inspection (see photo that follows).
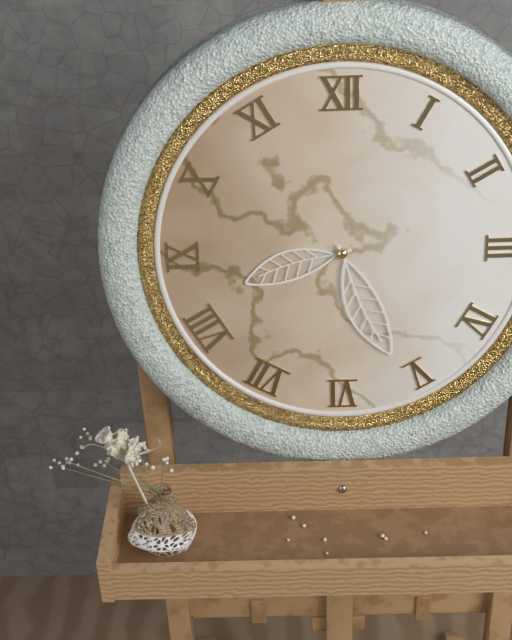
8:26
